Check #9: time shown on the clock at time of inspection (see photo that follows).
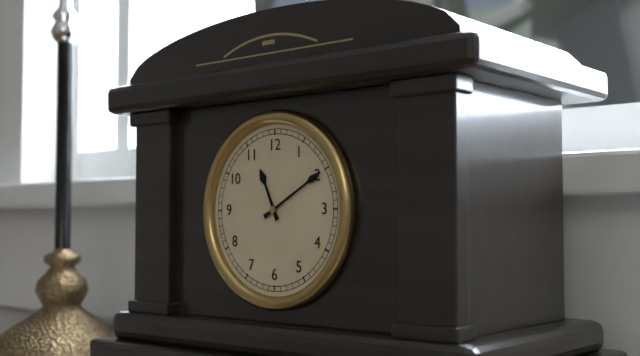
11:10
